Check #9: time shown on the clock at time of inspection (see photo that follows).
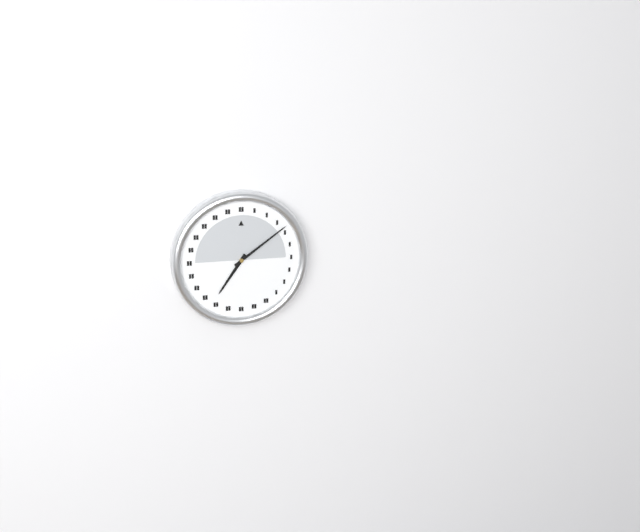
7:09
